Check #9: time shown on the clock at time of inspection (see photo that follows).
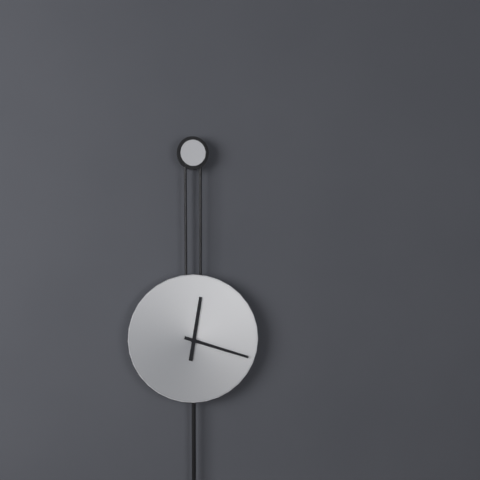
12:18
